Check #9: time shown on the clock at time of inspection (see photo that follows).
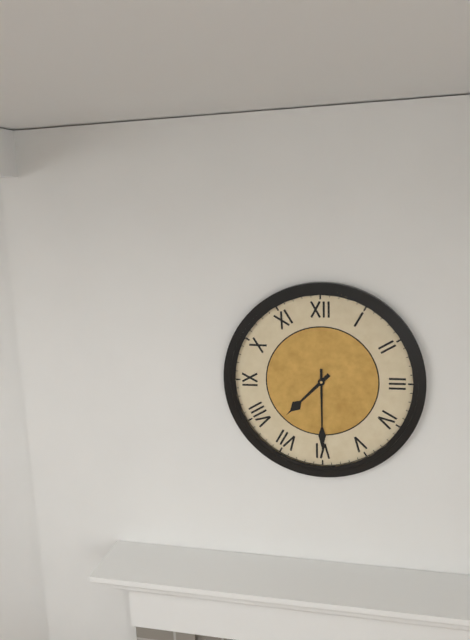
7:30
